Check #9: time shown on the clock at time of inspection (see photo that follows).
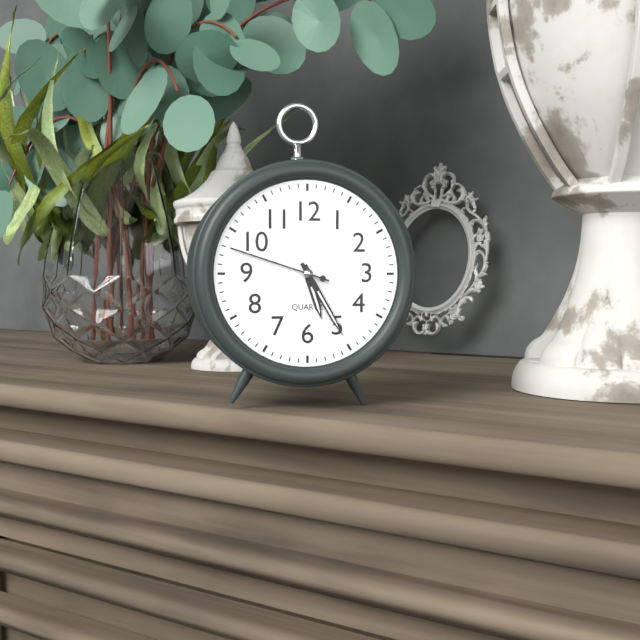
5:25:48
